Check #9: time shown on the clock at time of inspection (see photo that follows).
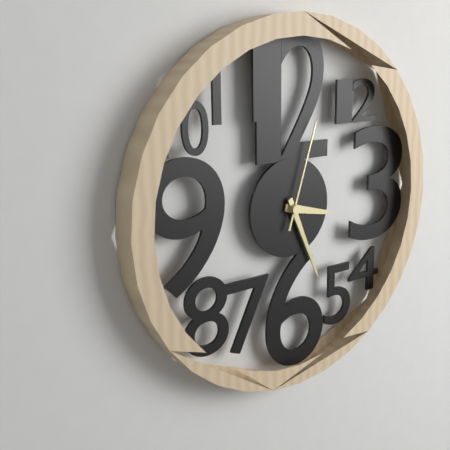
3:26:03
